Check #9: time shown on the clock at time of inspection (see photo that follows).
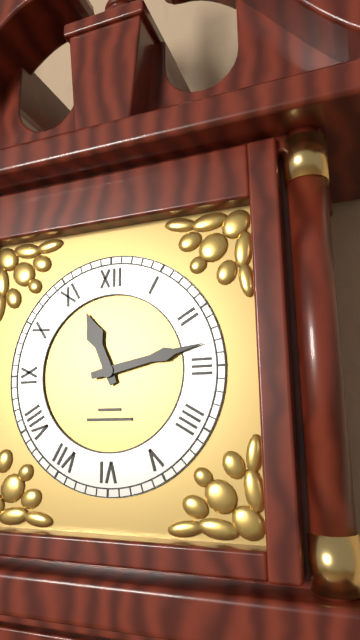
11:13
